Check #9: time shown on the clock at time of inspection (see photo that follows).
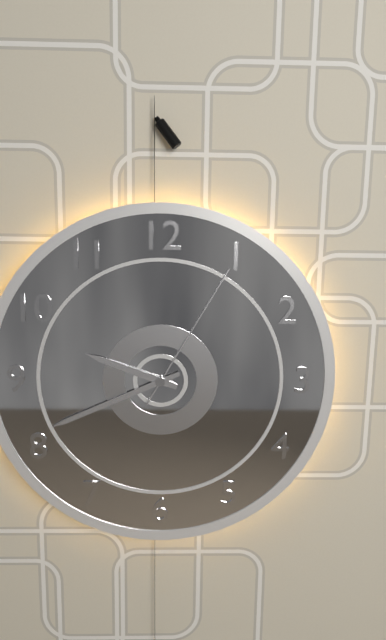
9:41:05
